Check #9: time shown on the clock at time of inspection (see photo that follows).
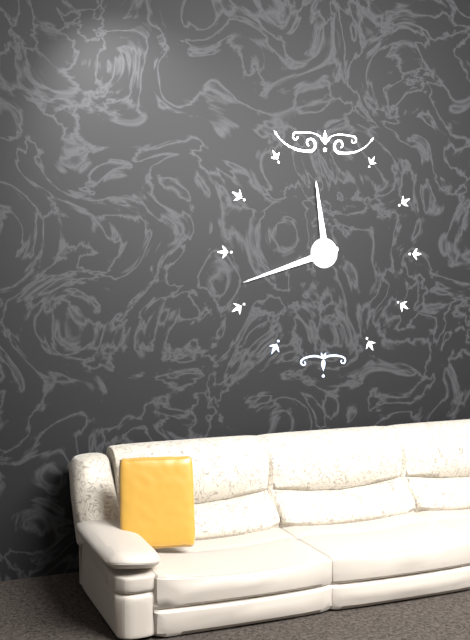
11:42
